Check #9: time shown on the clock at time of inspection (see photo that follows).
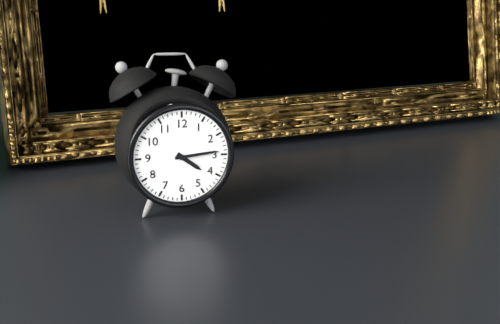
4:14
